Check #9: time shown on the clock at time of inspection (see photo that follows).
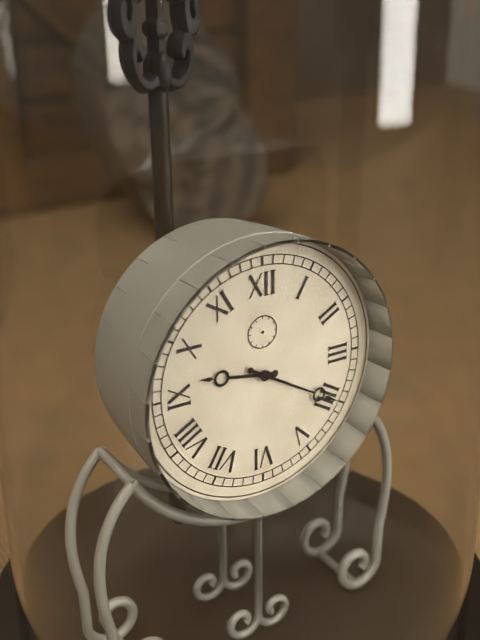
9:20
